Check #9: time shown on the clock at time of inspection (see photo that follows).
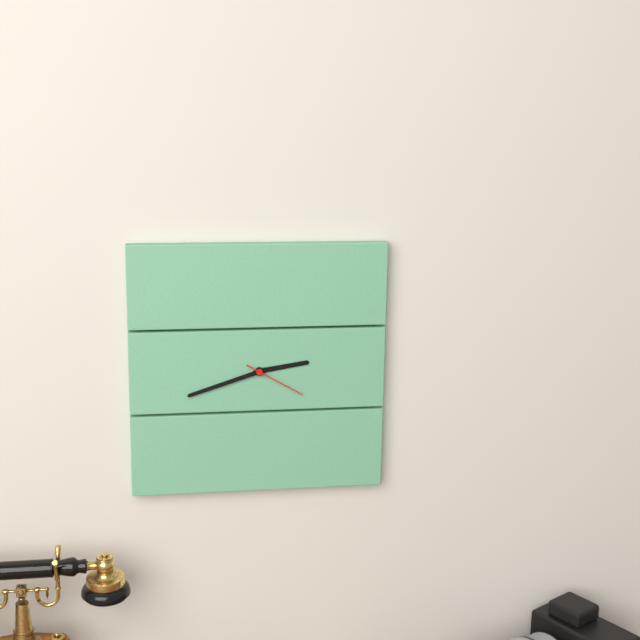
2:42:20
